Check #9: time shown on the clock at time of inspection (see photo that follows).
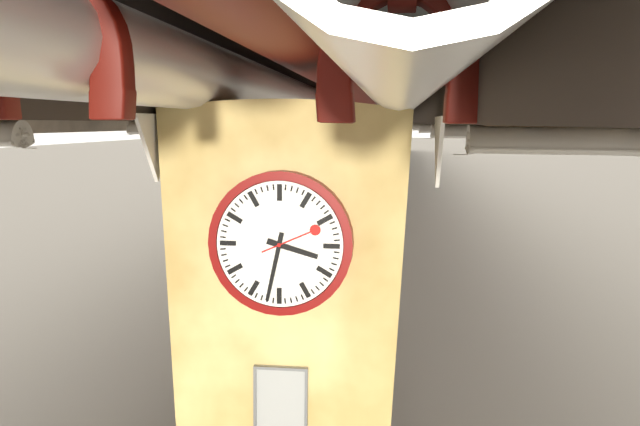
3:32:11
